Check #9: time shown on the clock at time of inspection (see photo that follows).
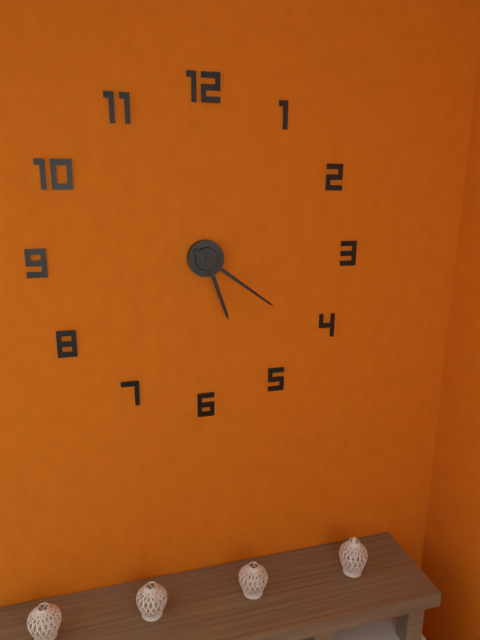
5:21
